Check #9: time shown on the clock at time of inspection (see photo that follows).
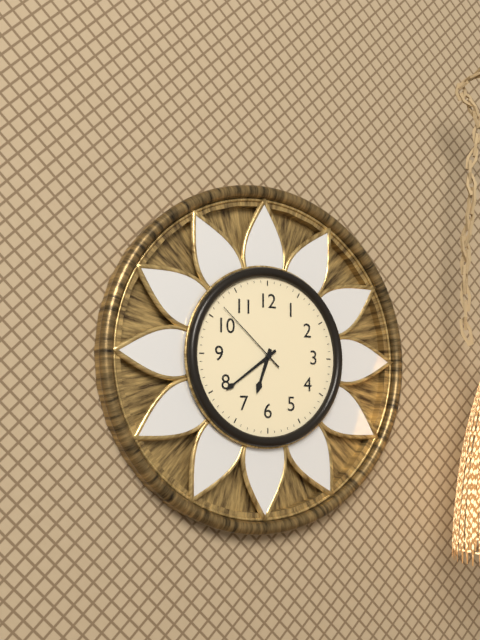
6:39:52
